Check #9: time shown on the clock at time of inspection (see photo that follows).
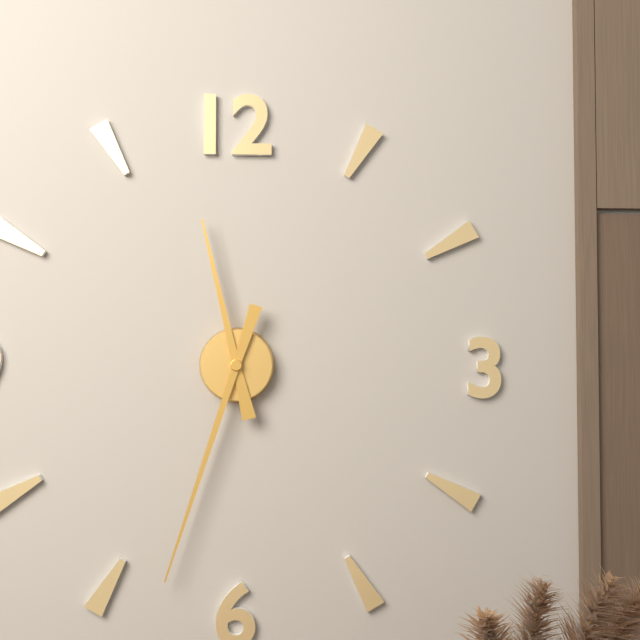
11:33
